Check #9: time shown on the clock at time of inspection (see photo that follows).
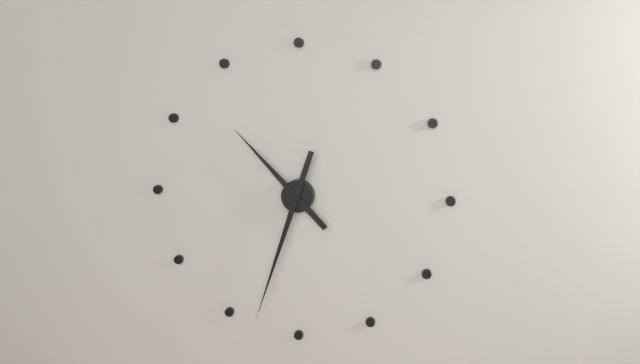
10:33
